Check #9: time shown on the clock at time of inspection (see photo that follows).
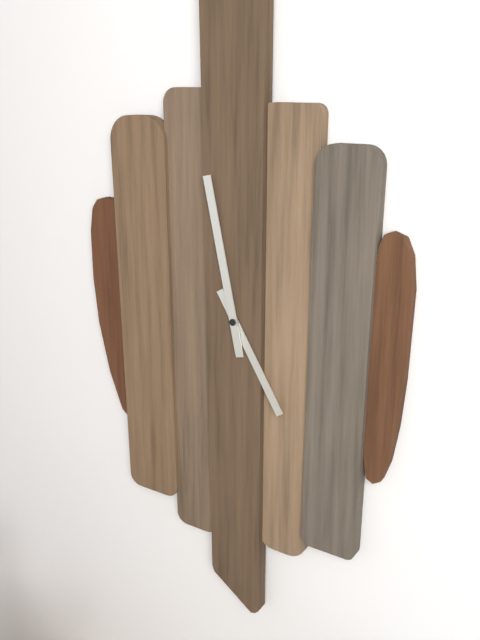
4:58
